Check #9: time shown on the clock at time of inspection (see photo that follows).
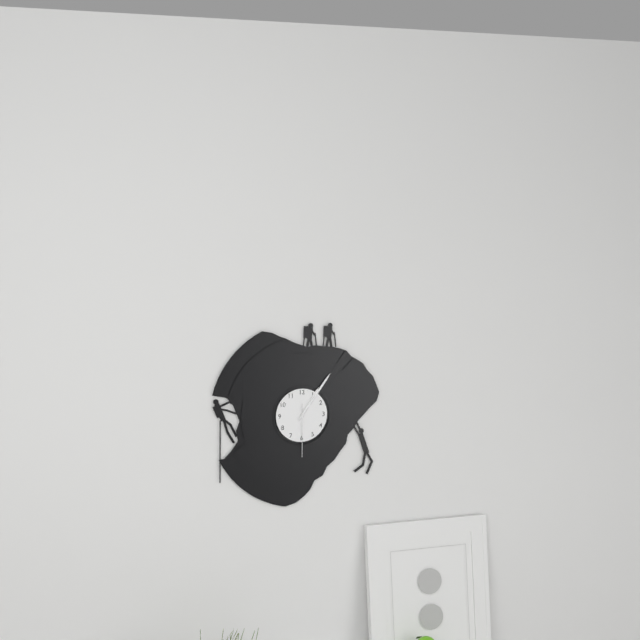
1:06:30
